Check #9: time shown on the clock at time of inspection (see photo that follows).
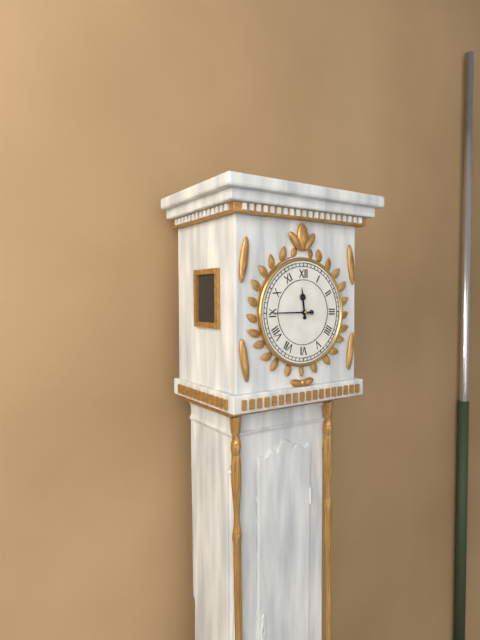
11:45
